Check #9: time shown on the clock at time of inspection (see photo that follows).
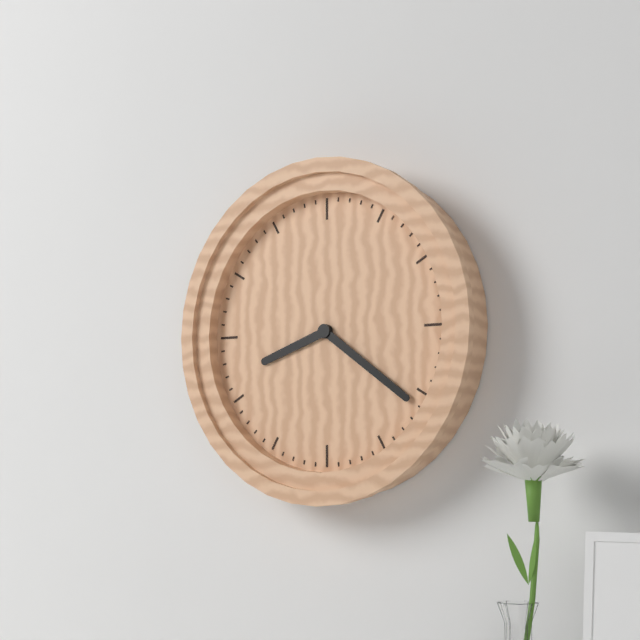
8:21
